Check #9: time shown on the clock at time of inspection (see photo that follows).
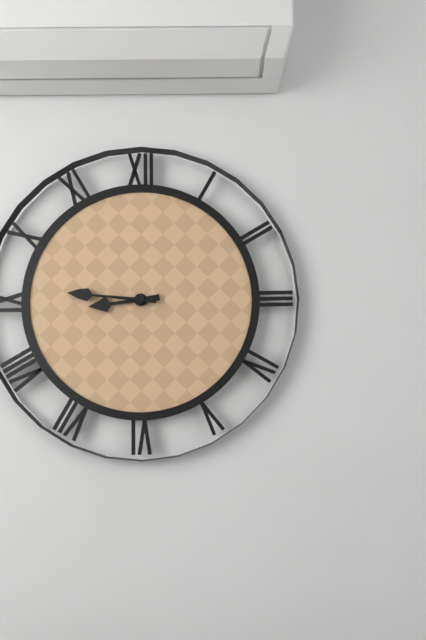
8:46
